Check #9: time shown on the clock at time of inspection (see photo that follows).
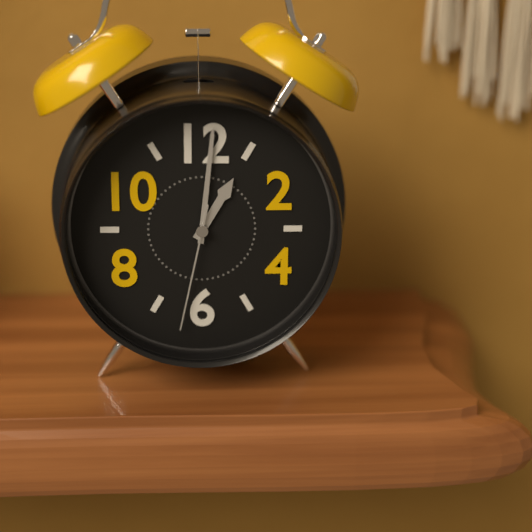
1:01:32
